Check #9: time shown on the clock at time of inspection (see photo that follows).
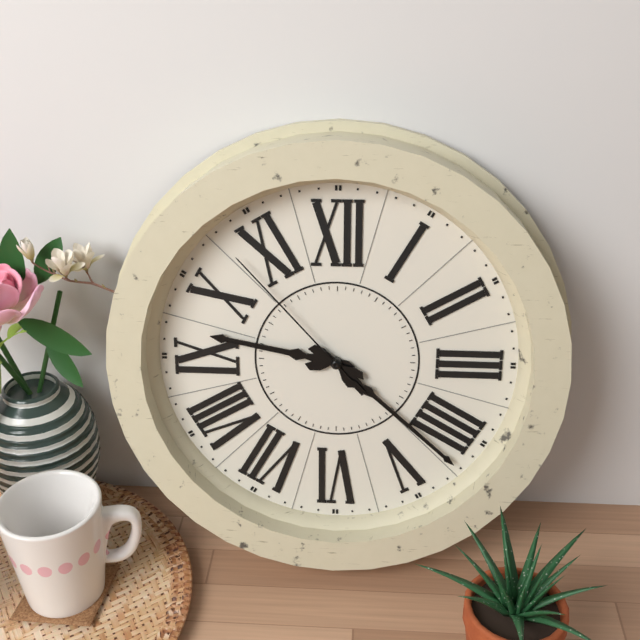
9:22:53
